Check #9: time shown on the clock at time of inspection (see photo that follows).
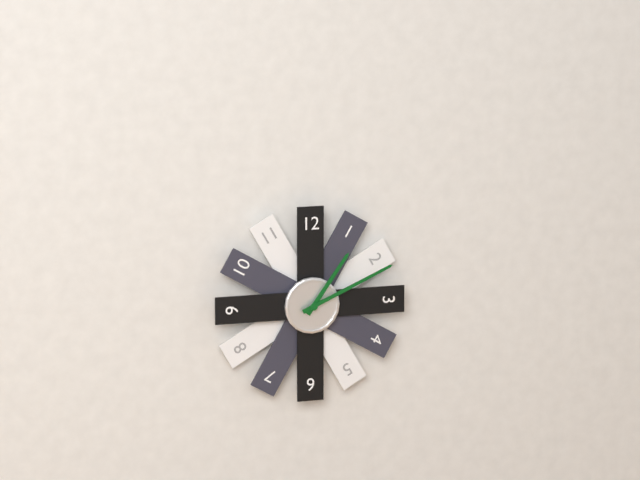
1:11
